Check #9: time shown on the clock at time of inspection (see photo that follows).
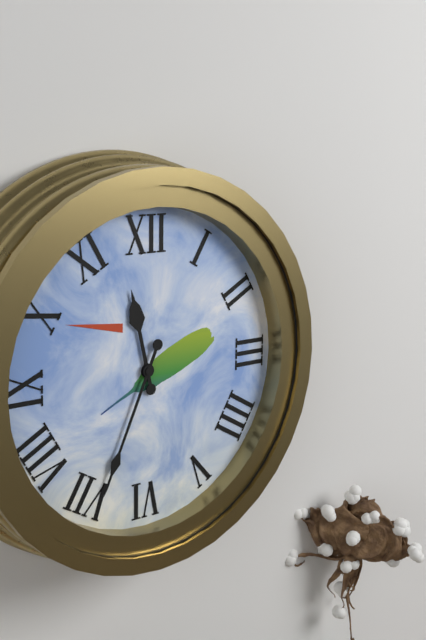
11:34
